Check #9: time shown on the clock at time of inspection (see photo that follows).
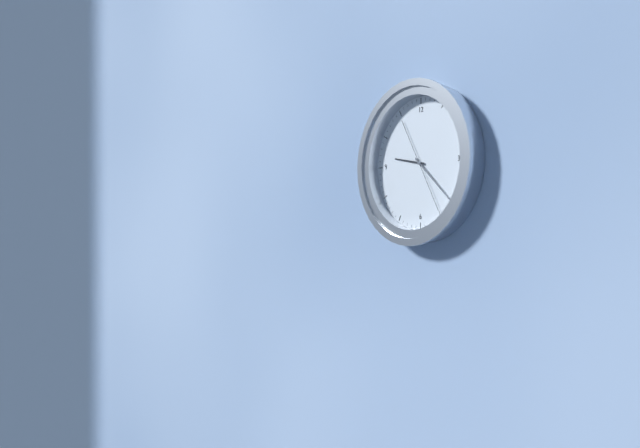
9:22:25
